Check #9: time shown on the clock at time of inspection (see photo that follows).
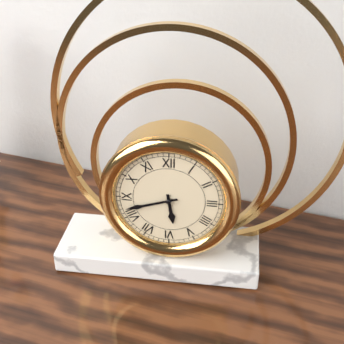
5:42
